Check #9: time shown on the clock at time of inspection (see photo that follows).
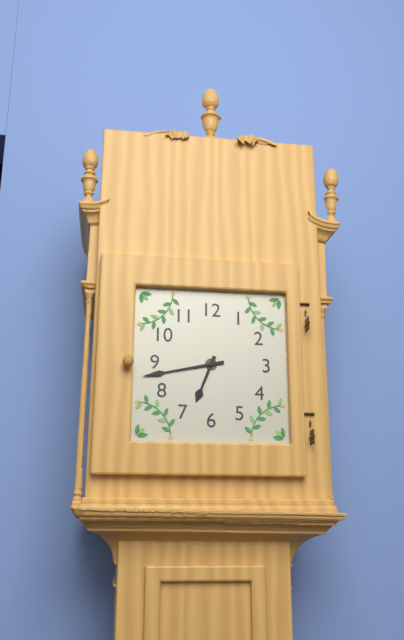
6:43
